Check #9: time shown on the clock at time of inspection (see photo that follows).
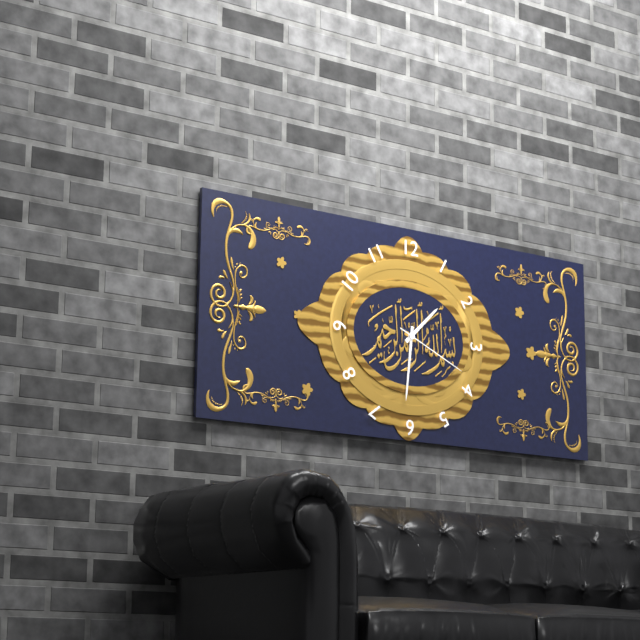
1:31:19
